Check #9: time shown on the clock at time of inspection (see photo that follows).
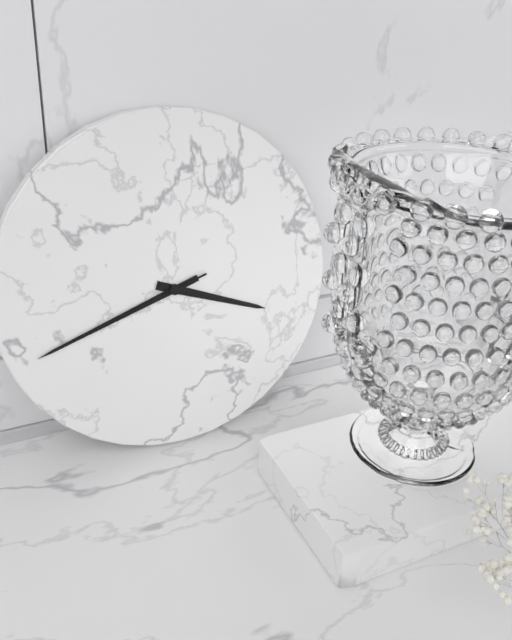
3:42:42
